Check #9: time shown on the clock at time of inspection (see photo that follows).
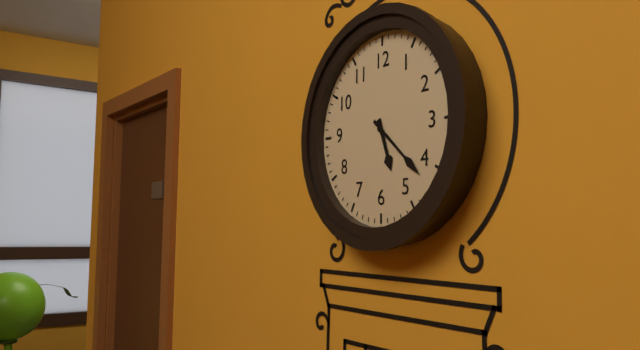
5:22
